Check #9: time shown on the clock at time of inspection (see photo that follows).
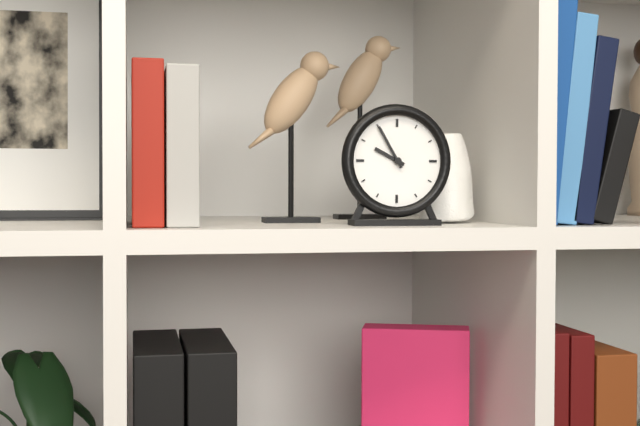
9:55
